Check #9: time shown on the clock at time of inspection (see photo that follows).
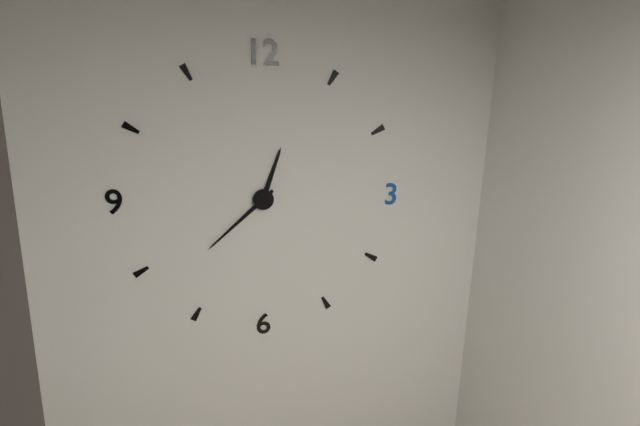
12:38
